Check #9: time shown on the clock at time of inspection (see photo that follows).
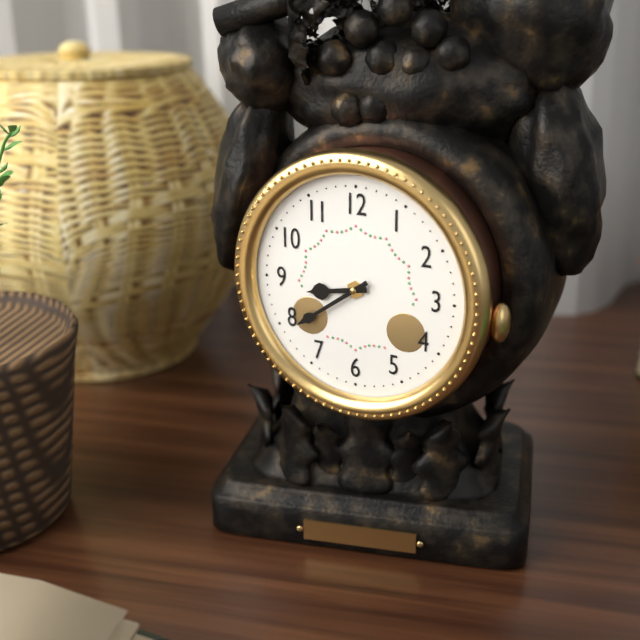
8:39
